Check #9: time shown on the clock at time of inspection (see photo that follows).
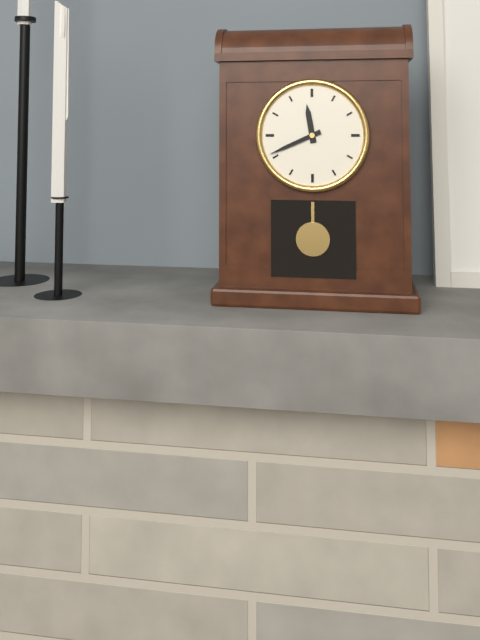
11:41
